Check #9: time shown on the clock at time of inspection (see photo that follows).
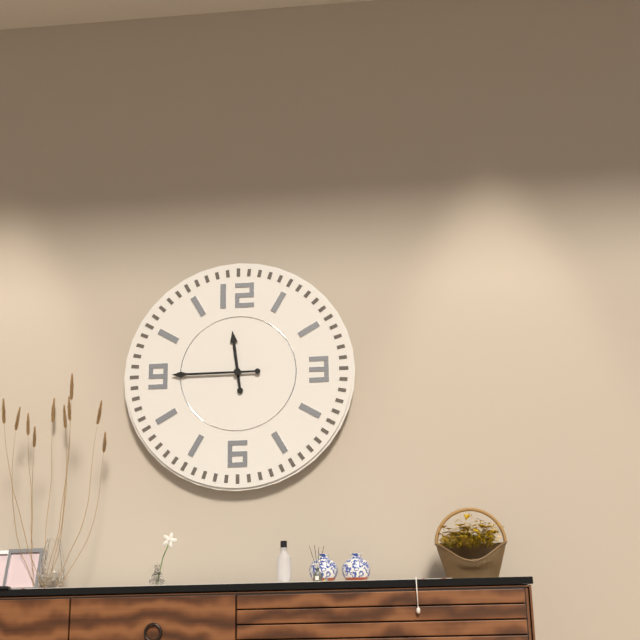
11:45
